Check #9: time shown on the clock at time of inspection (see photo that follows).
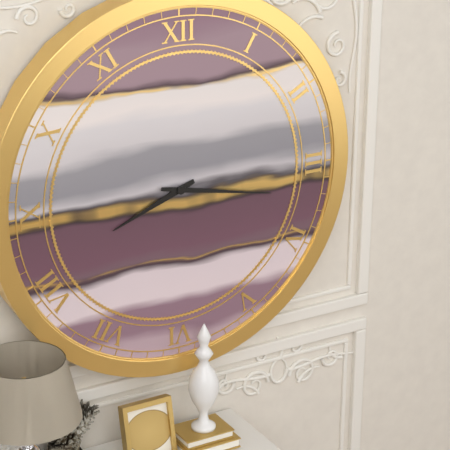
8:17
